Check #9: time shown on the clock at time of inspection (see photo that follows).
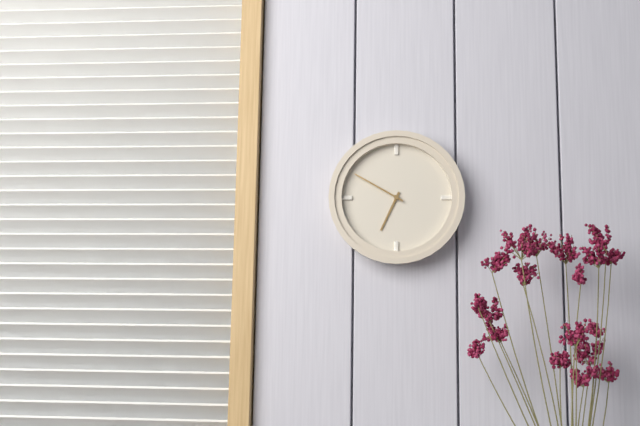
6:50
